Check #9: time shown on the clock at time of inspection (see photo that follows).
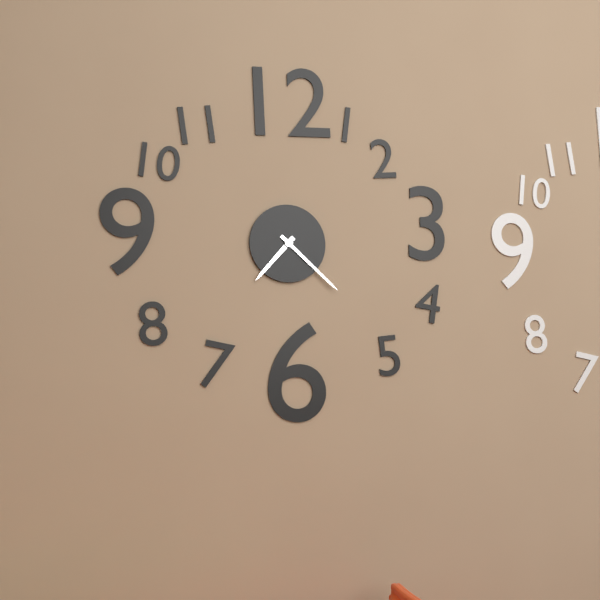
7:22
